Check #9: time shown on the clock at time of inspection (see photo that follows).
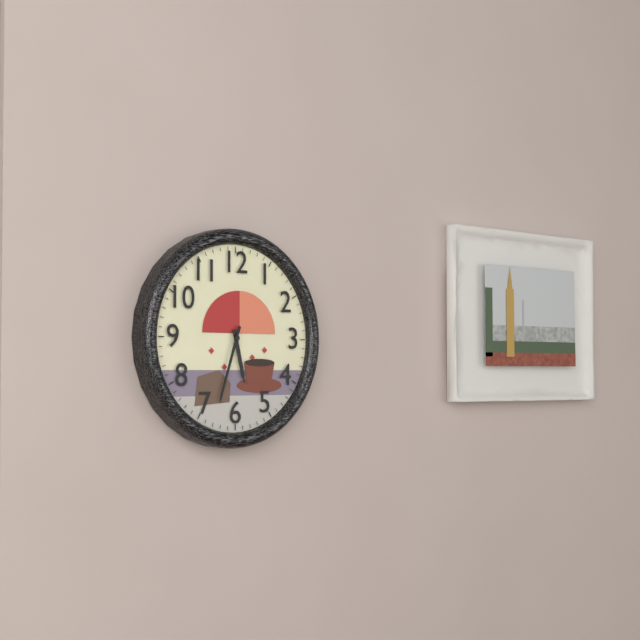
5:33
